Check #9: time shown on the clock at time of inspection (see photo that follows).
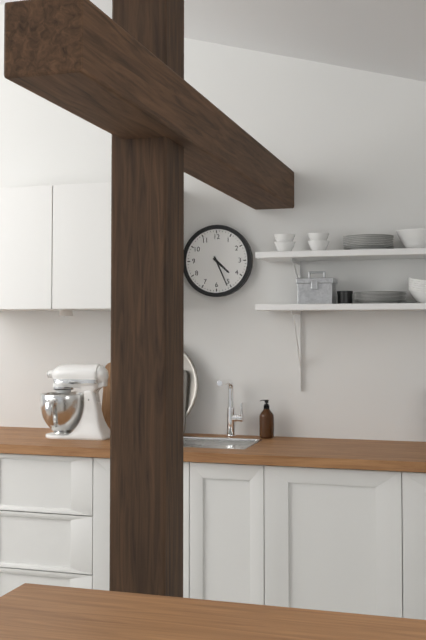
4:26
